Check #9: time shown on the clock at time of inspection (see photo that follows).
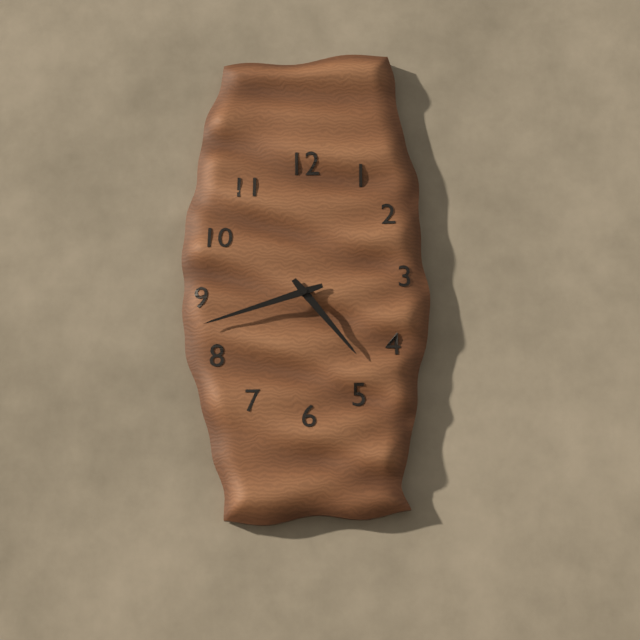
4:42
